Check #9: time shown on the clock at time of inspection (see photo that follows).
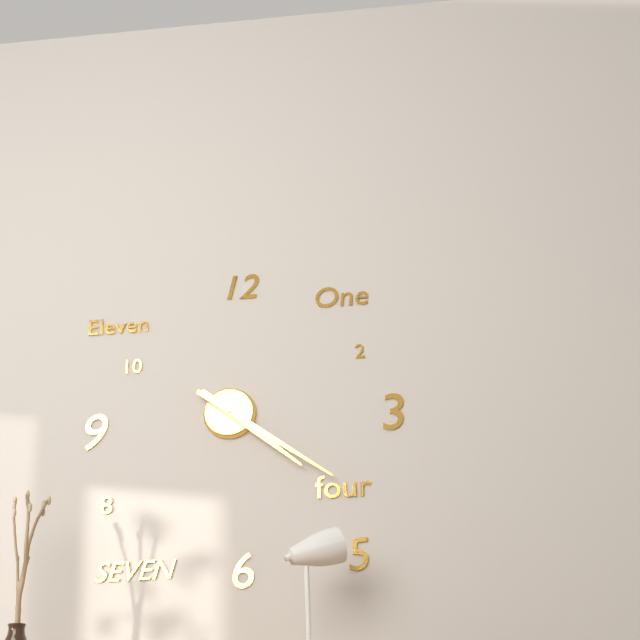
4:21
